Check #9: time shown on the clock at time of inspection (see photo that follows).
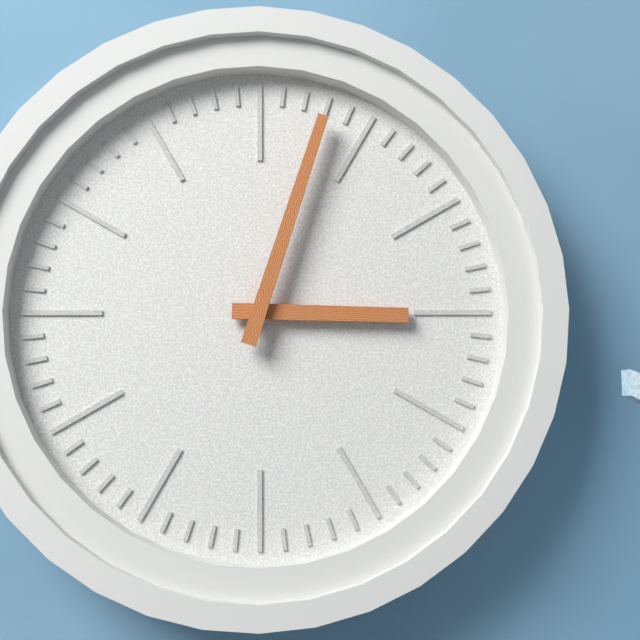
3:03
